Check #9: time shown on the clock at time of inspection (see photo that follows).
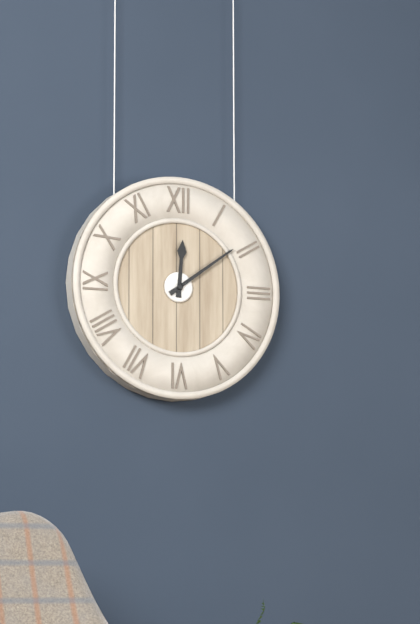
12:09
